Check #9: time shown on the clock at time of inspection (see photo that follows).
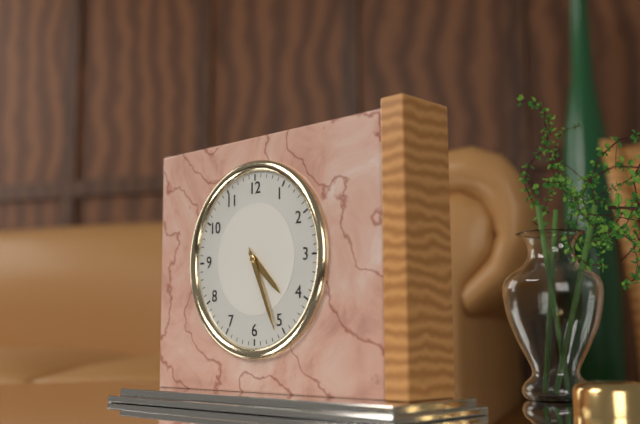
4:26
